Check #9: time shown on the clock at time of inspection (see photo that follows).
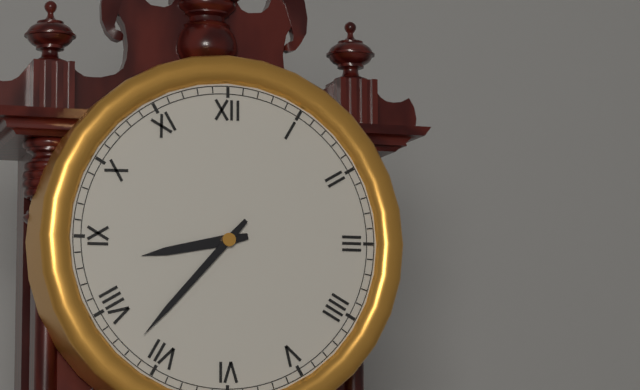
8:37
